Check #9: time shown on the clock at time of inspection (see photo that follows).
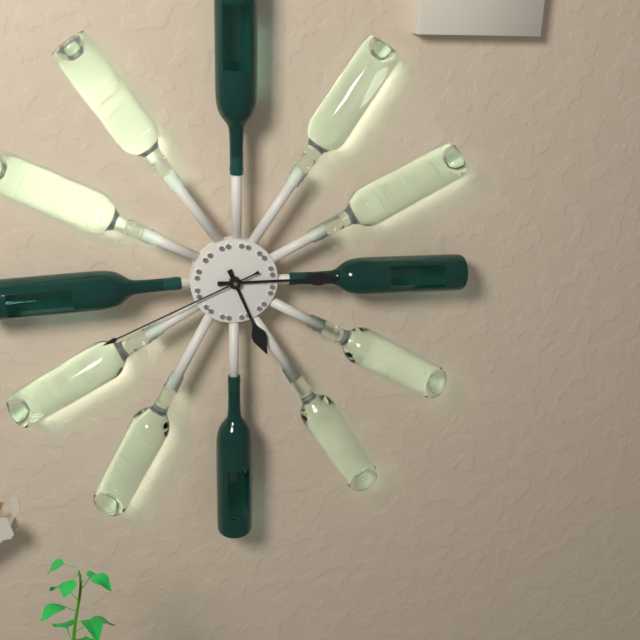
5:15:41
